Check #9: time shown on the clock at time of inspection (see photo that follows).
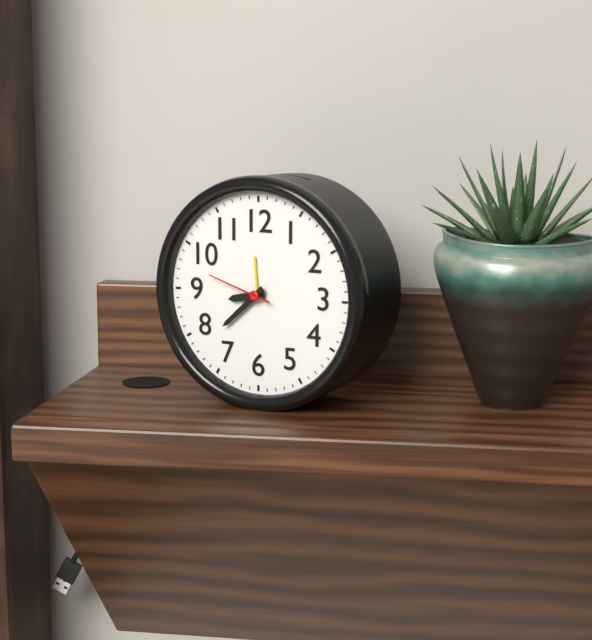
8:38:48
